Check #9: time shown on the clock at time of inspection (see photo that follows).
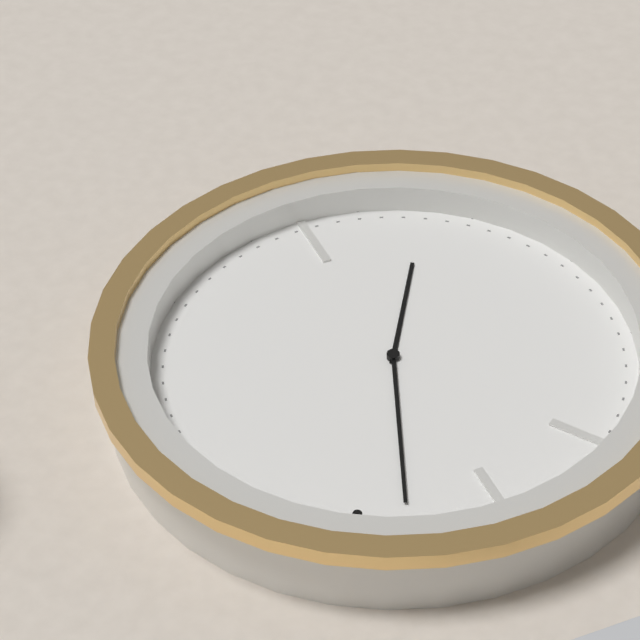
5:58
